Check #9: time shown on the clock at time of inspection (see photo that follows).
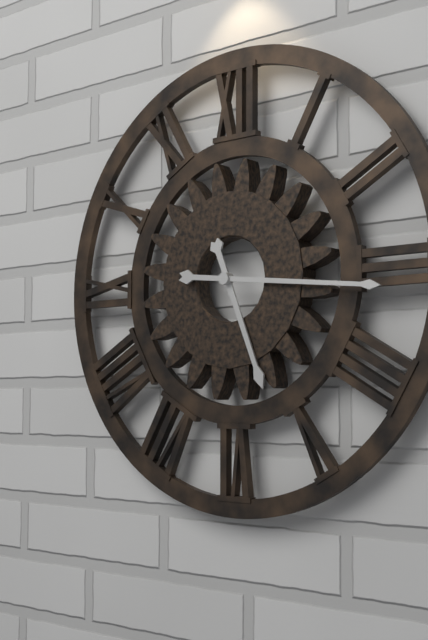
5:16
